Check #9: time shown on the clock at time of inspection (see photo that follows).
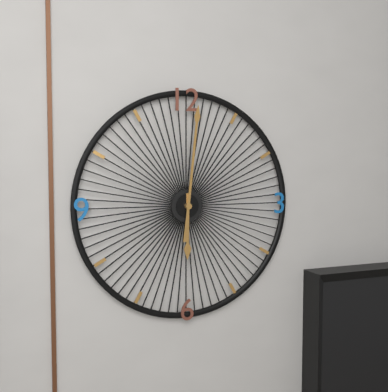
6:01
